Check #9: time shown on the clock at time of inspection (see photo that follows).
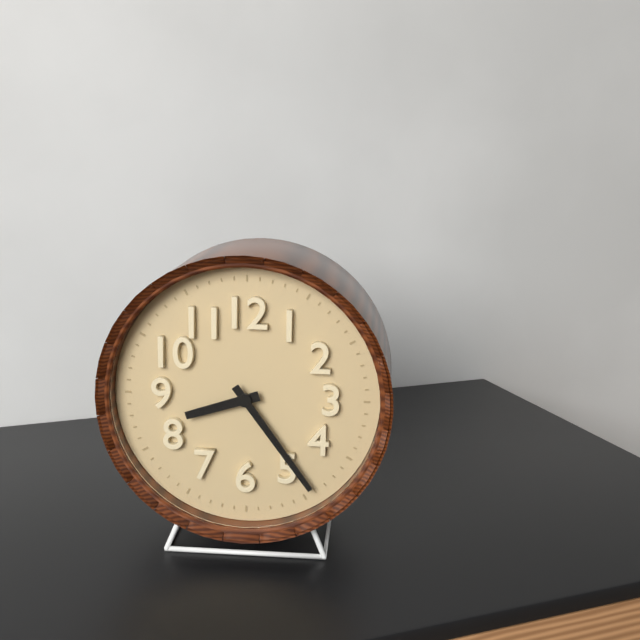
8:24
